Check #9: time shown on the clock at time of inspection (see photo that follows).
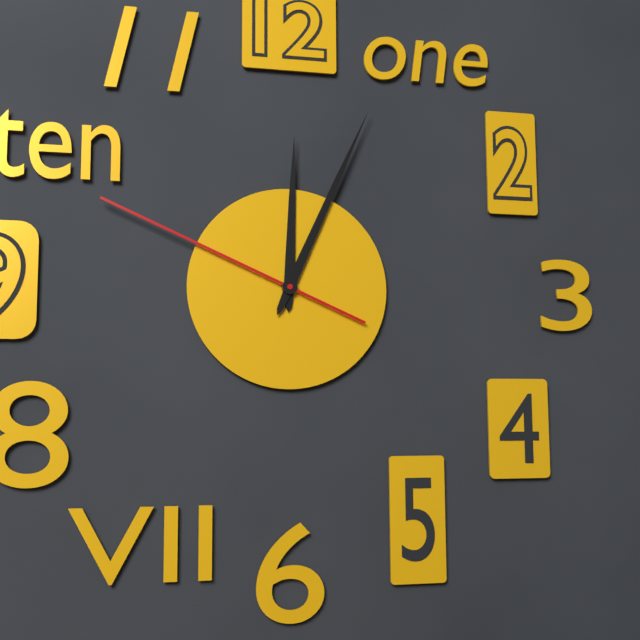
12:04:49
